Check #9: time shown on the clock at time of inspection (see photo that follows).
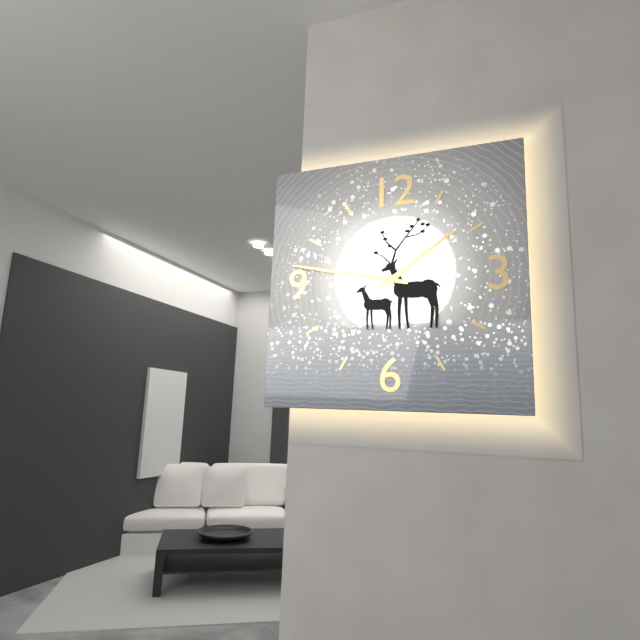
1:47
